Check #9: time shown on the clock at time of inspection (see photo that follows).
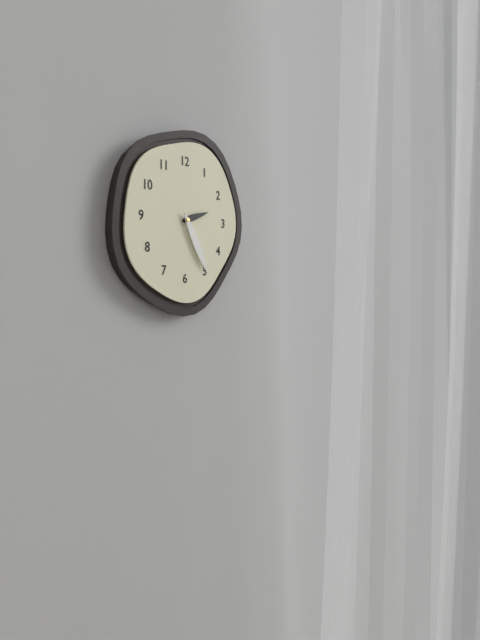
2:25
